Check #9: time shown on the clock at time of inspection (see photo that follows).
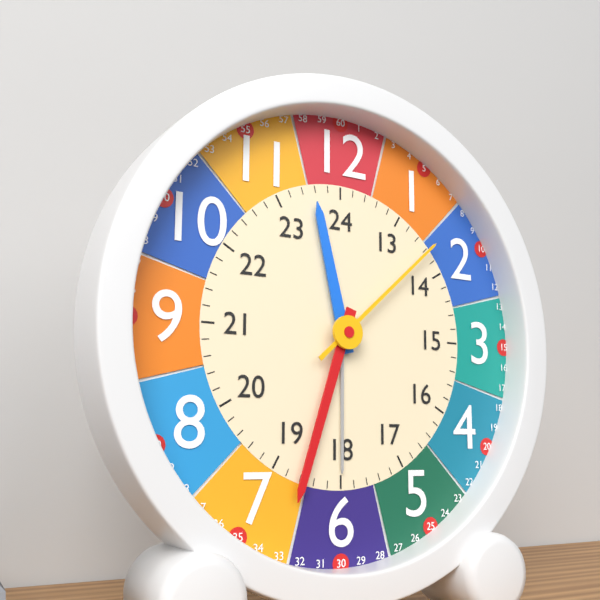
11:33:08
